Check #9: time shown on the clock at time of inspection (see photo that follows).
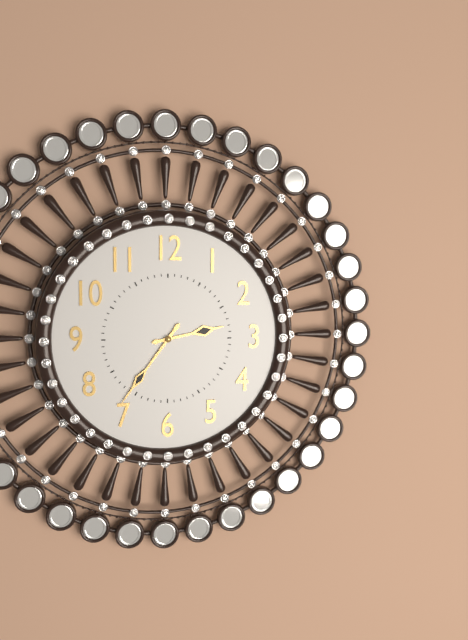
2:36
